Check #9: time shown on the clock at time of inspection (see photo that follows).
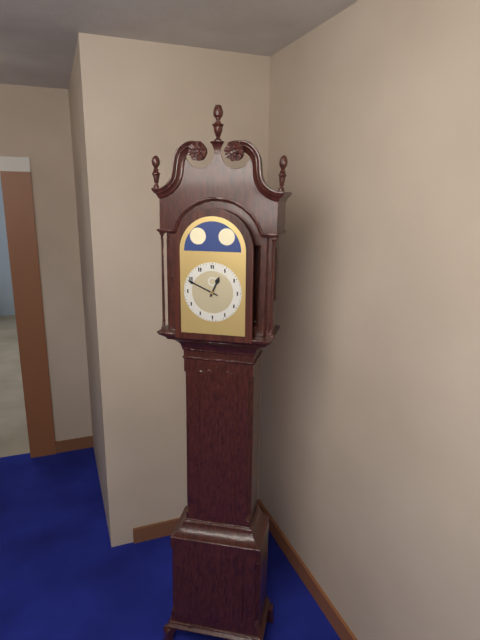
12:49
